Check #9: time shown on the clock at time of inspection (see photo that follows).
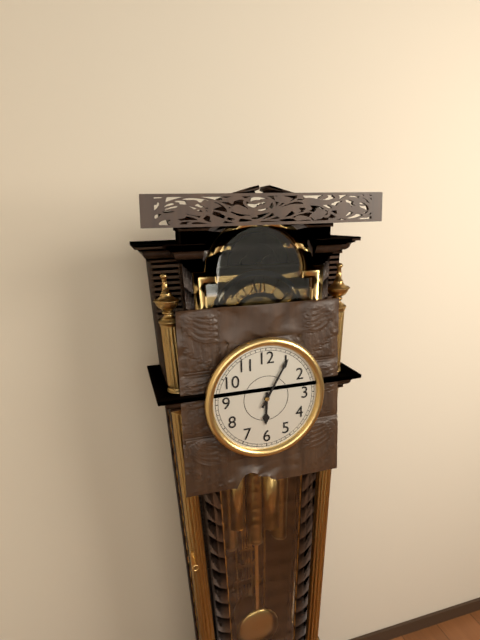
6:05
